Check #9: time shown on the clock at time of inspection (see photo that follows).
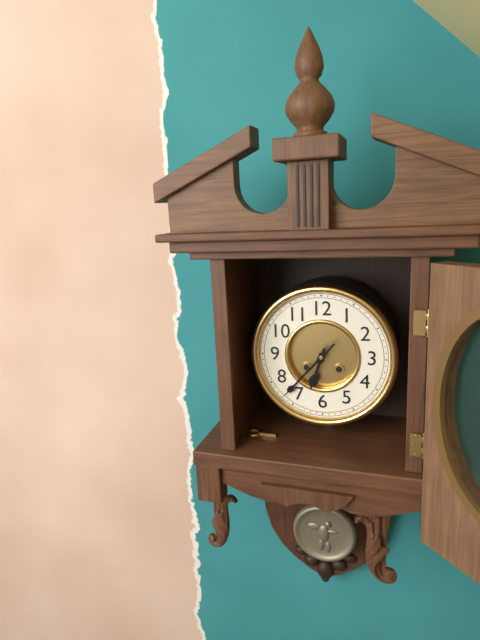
6:37
